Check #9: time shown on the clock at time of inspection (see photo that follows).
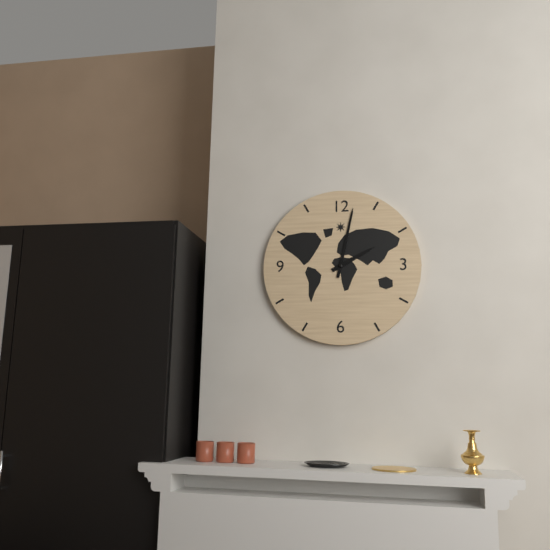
2:02
